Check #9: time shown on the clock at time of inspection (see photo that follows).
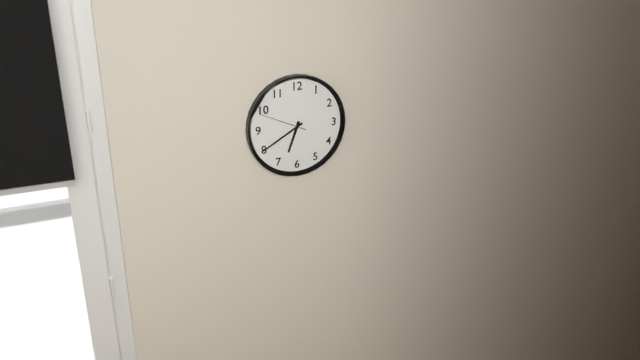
6:40
